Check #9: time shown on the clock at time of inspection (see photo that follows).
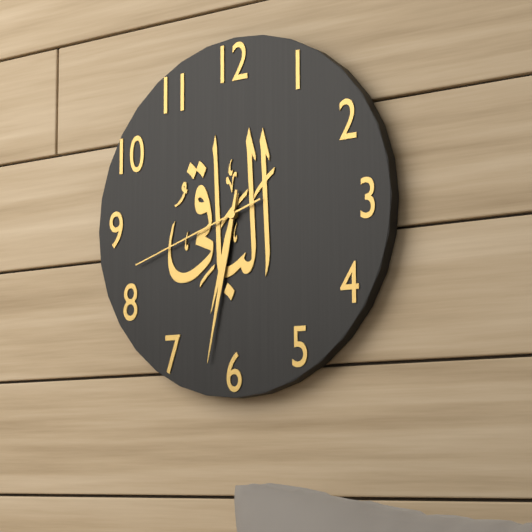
6:32:42
